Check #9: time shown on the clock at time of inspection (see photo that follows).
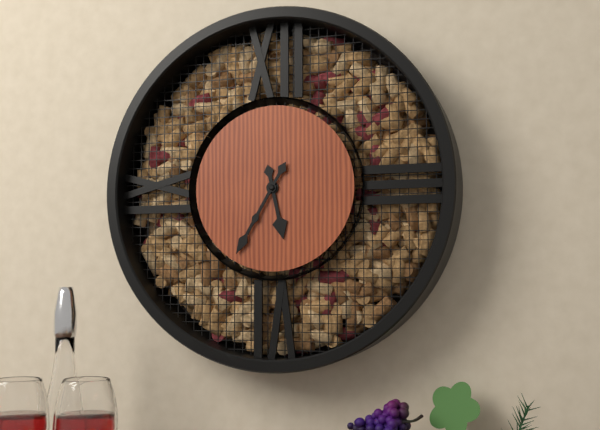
5:35
